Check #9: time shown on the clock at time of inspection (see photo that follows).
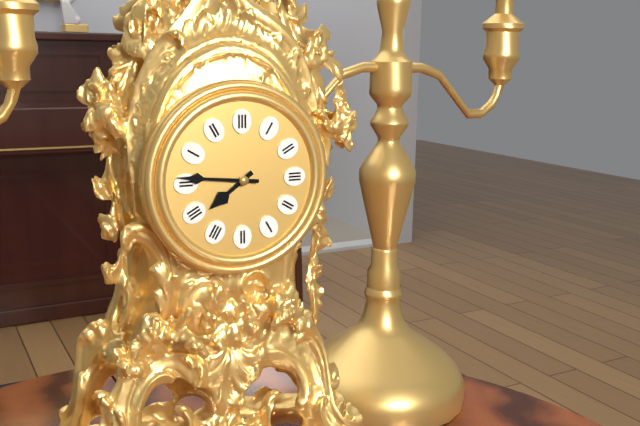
7:46
